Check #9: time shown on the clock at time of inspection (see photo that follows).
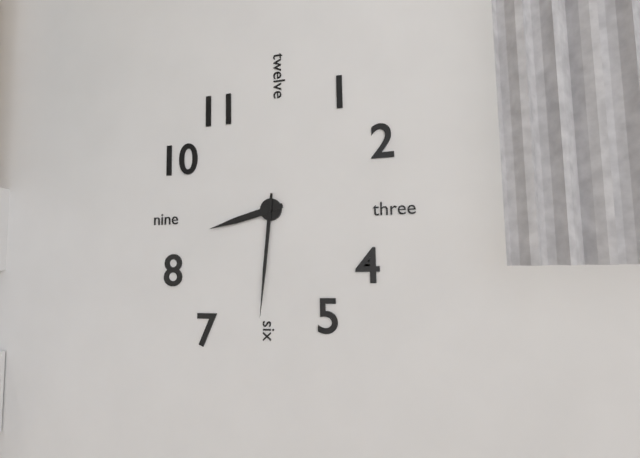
8:31
